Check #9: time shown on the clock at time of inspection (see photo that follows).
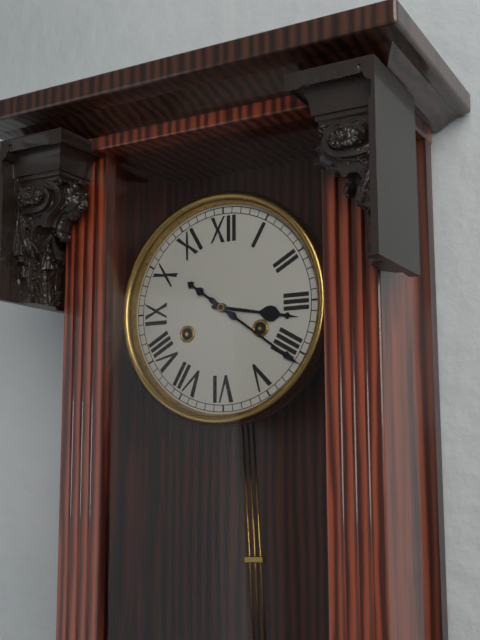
3:21
